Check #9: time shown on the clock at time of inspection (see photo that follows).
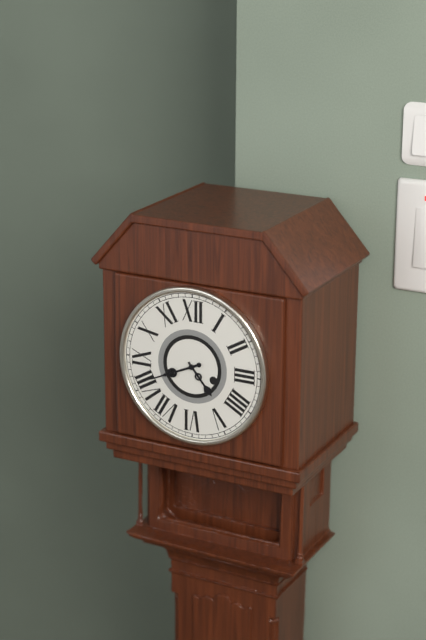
4:41
